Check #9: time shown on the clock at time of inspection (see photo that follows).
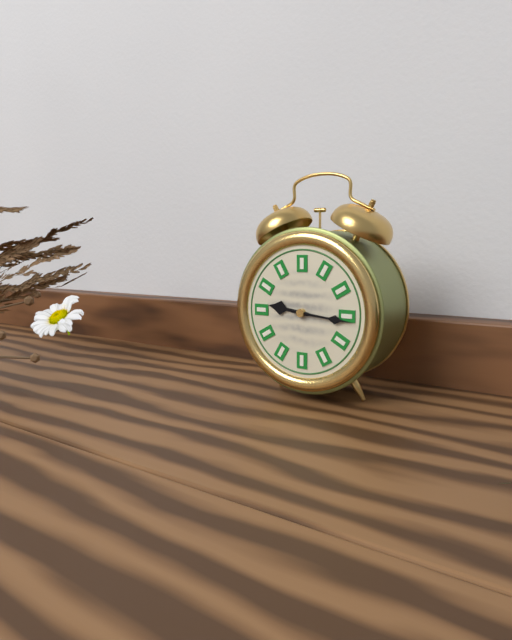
9:16
